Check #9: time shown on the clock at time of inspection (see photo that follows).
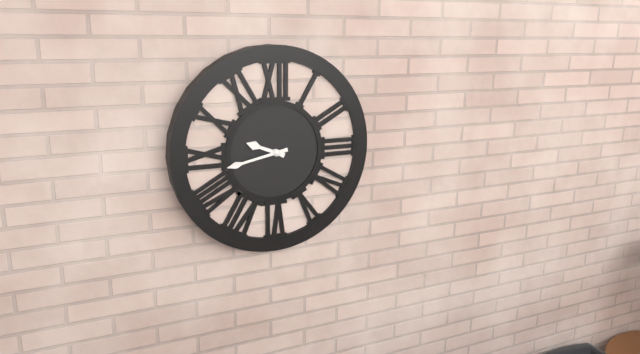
9:43
